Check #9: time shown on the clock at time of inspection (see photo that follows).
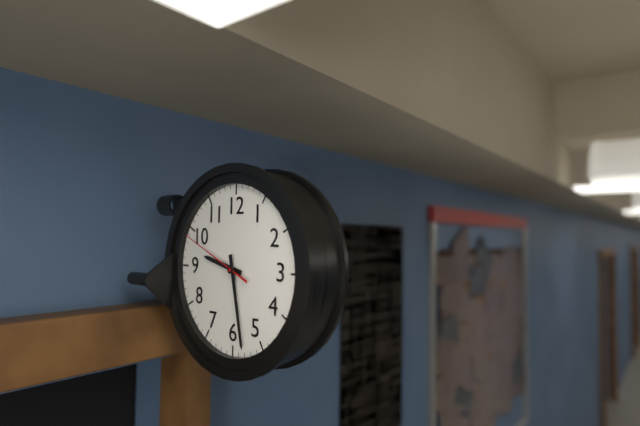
9:28:49
